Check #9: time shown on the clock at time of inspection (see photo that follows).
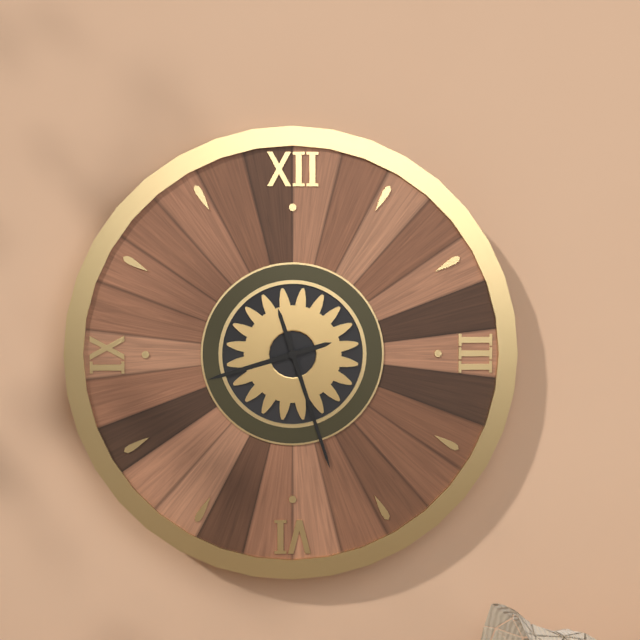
8:27
